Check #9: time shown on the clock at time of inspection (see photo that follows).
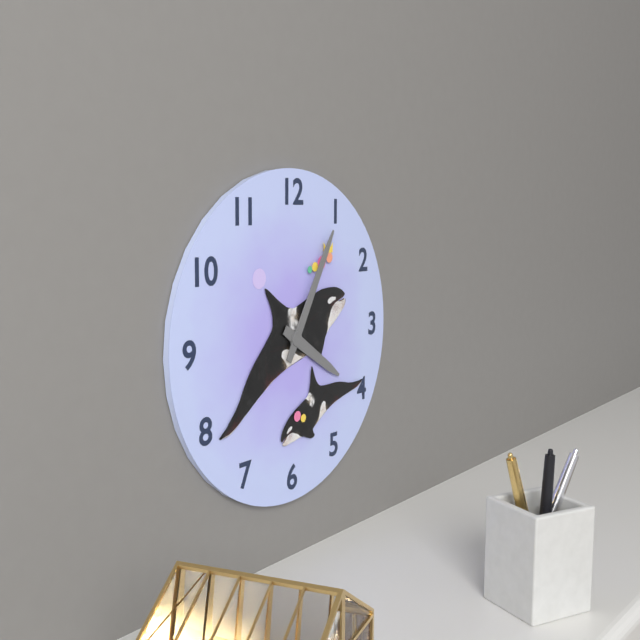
4:05
